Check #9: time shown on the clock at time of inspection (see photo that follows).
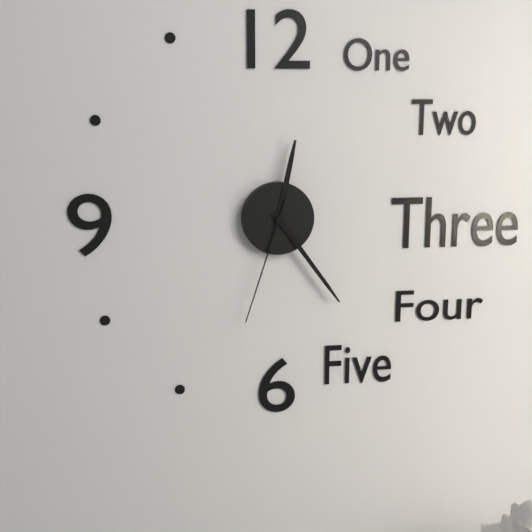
12:24:33
